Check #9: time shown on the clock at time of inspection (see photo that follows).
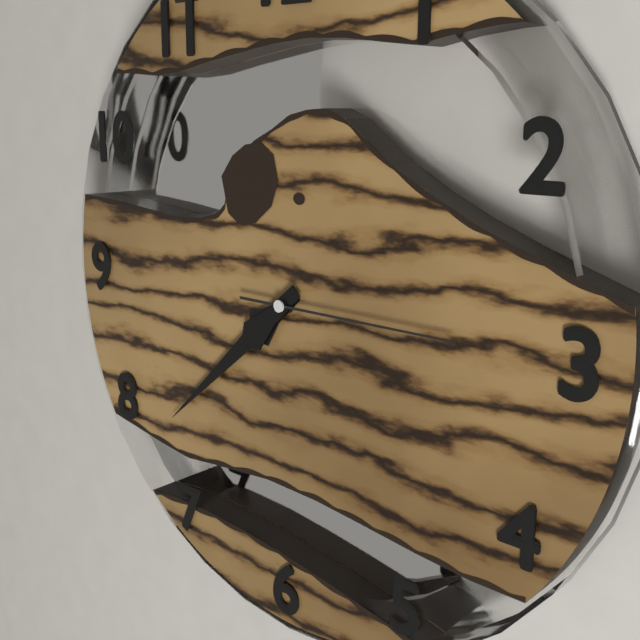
7:38:15
